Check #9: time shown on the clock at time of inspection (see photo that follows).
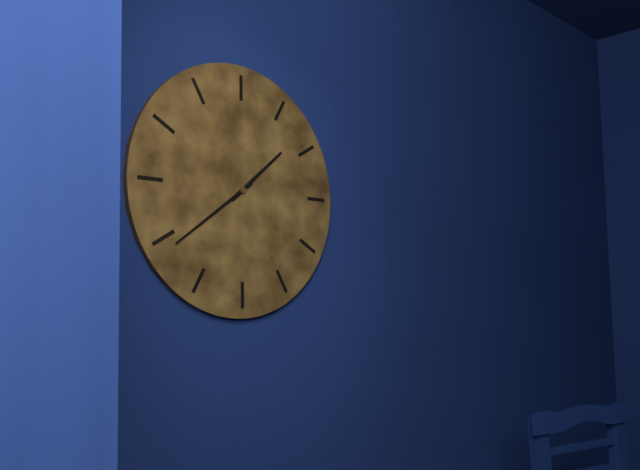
1:39
